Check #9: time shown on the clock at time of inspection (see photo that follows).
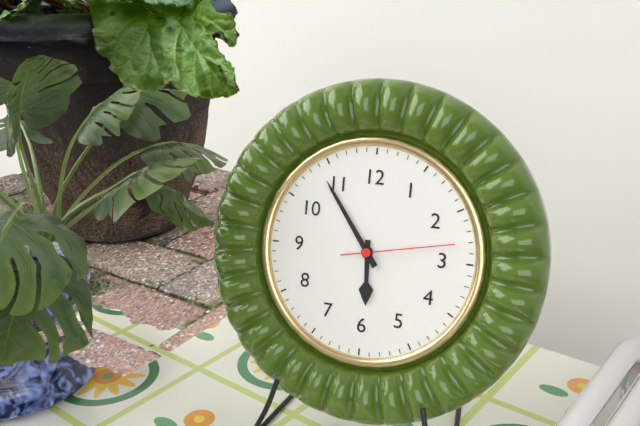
5:54:13
